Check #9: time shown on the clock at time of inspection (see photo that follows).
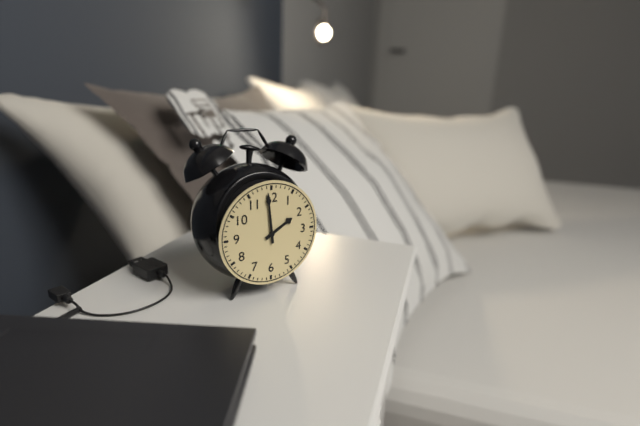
1:59
